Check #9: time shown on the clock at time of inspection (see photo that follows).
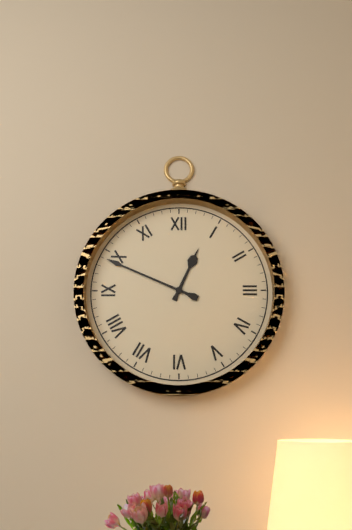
12:49
